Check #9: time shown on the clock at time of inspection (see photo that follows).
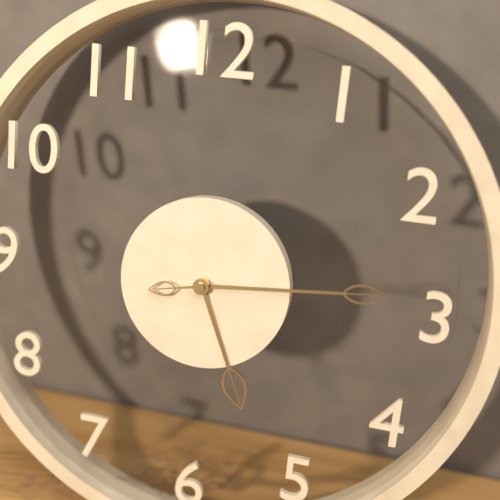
5:14:43
